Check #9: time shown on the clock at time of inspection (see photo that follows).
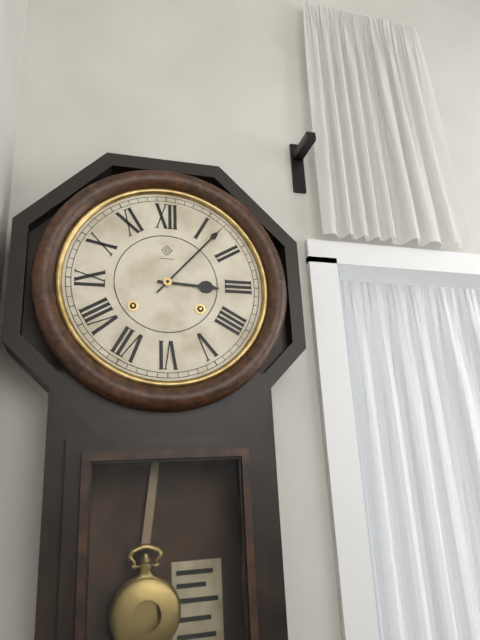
3:07
